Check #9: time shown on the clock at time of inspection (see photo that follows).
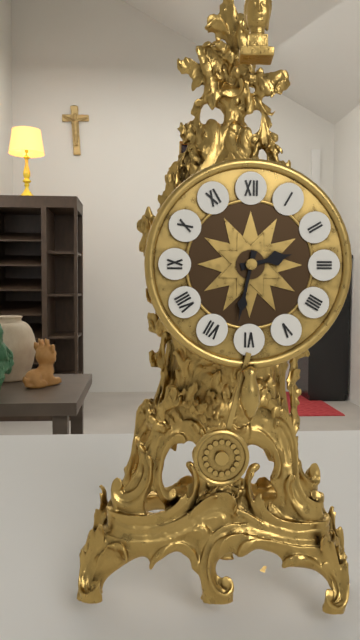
2:32
